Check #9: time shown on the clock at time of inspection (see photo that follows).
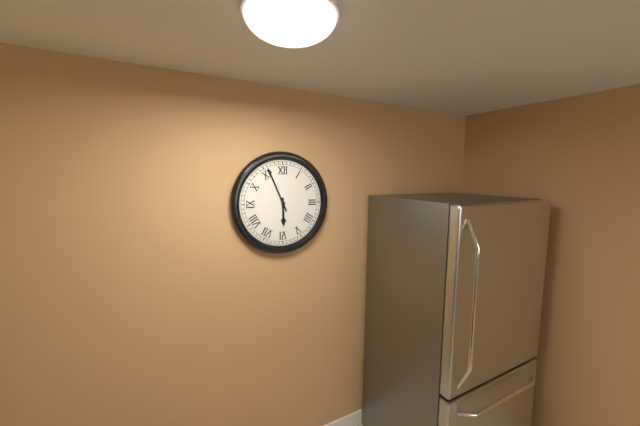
5:56
